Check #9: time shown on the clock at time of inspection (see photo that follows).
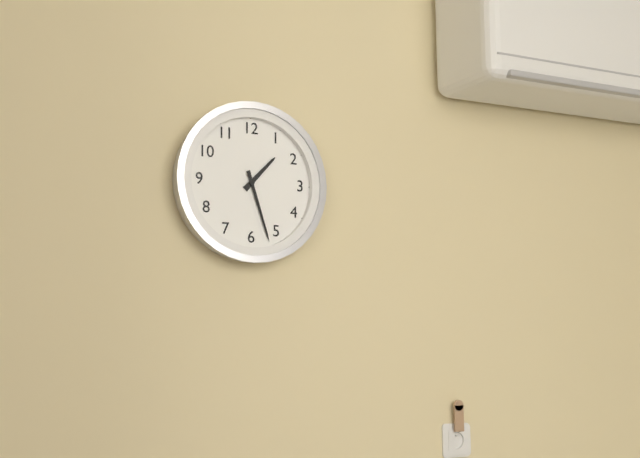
1:27
